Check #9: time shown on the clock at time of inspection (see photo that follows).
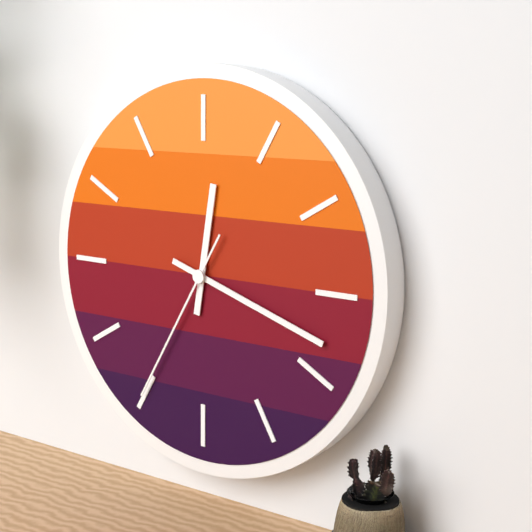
12:18:35
